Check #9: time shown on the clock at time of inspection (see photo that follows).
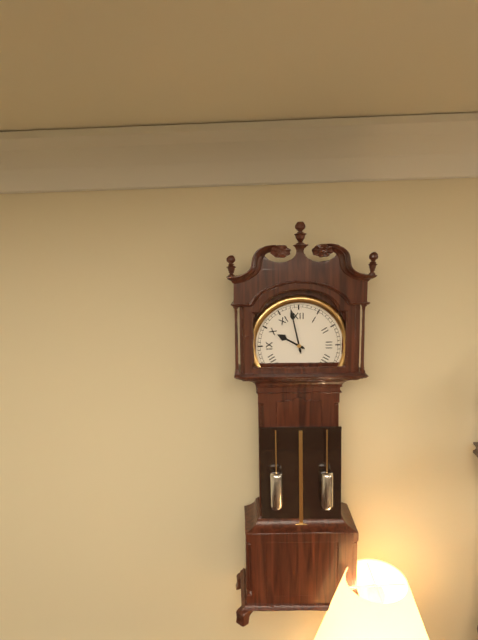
9:58
